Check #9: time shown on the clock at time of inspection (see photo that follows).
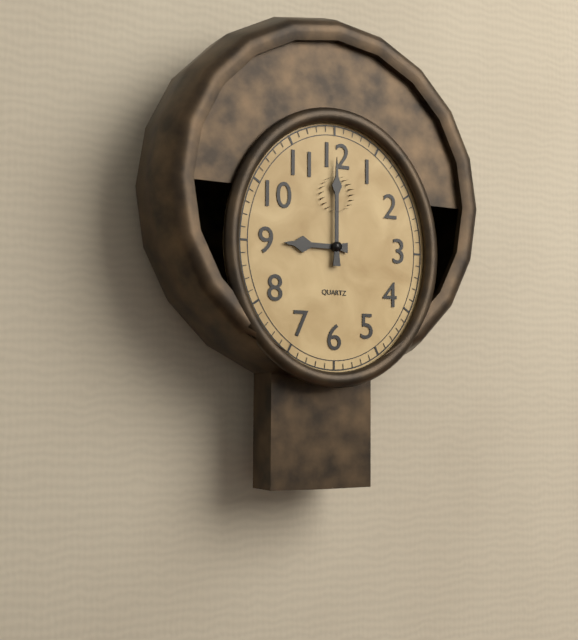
9:00
